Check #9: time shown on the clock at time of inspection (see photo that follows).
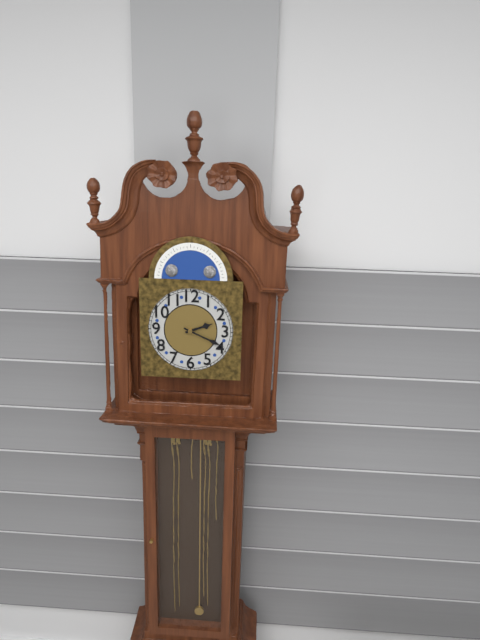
2:19
